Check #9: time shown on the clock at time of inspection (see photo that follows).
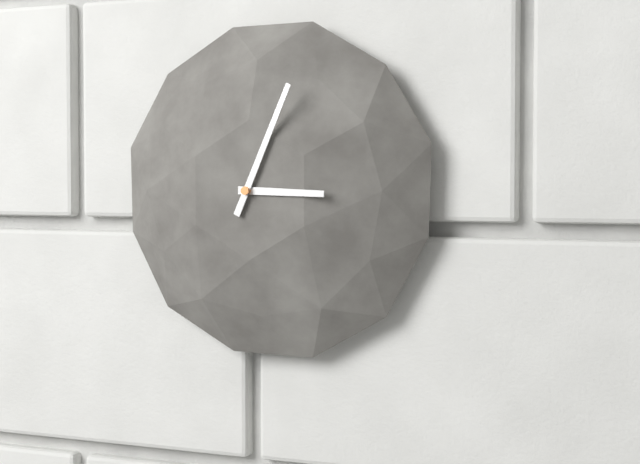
3:04
